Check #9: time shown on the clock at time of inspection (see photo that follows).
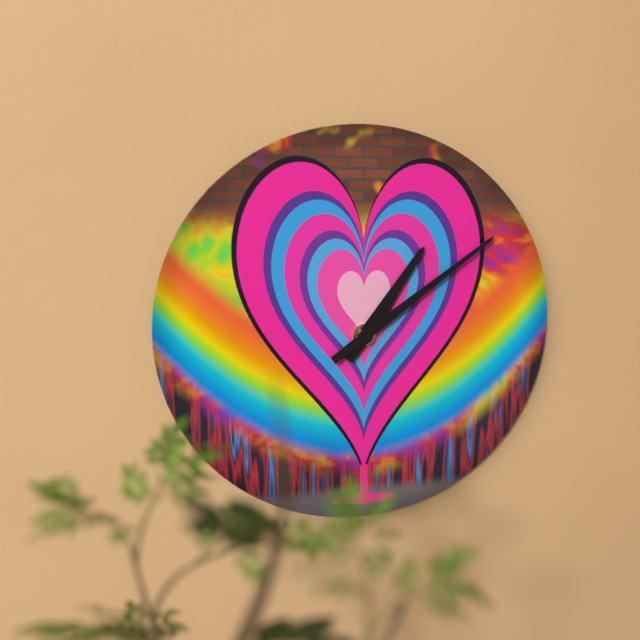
1:09
